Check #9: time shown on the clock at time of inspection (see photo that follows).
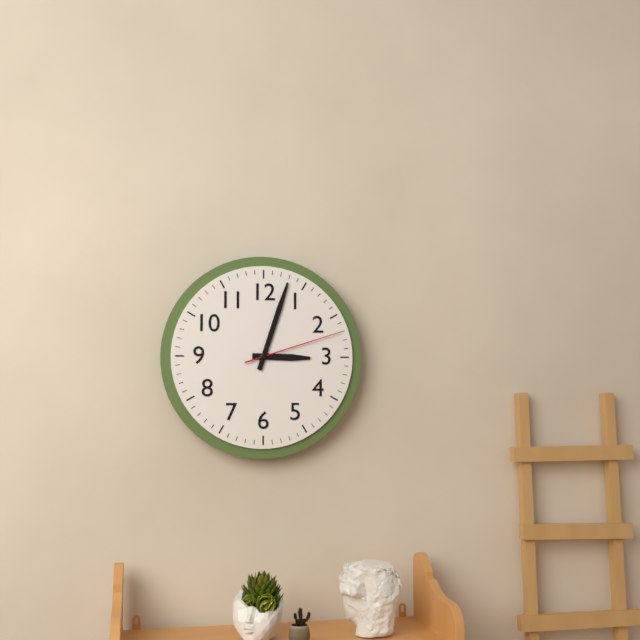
3:03:12
